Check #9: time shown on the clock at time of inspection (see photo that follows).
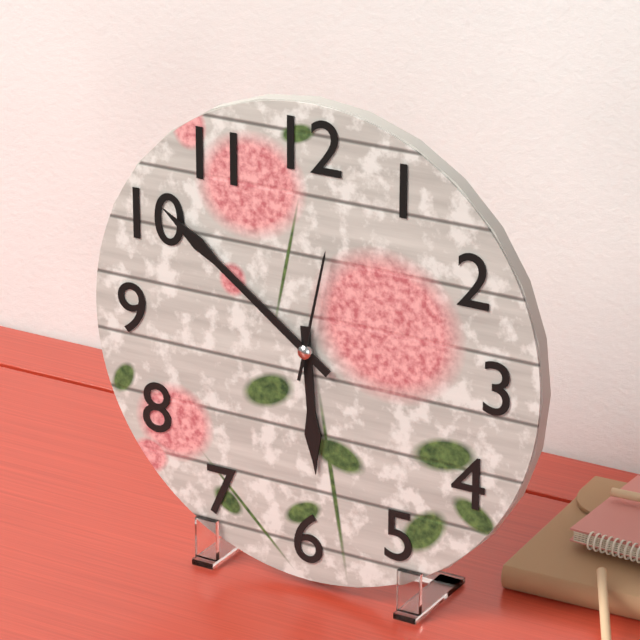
5:51:02
